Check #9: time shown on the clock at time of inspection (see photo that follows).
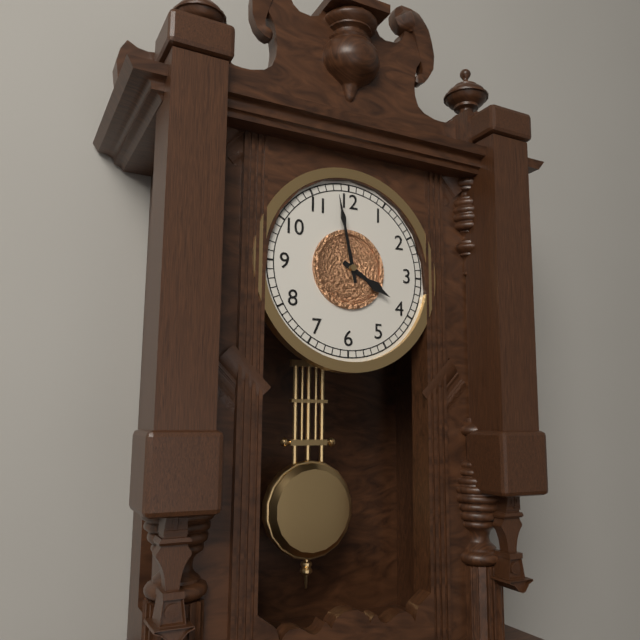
3:58
